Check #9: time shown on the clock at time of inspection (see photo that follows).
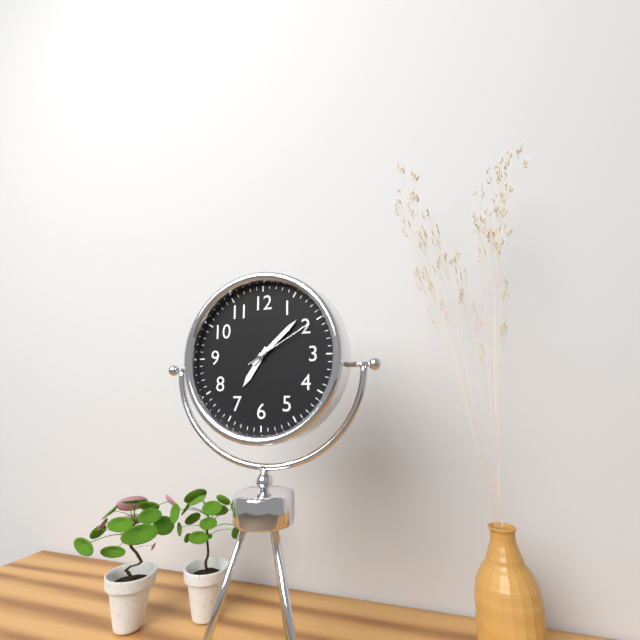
7:08:10
